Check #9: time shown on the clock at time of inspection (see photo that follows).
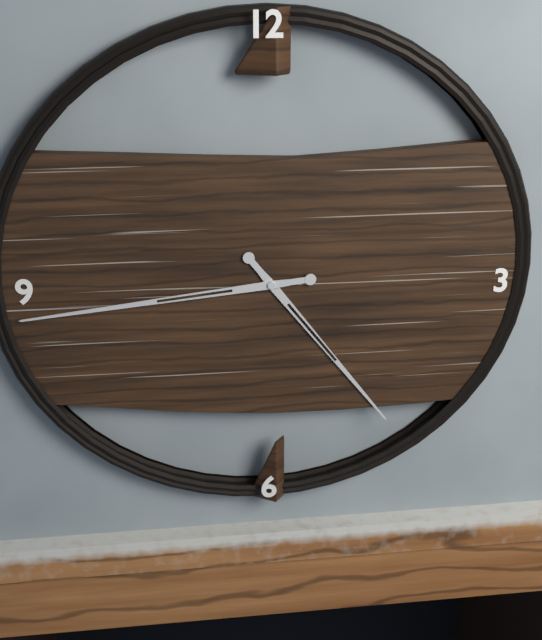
4:44
